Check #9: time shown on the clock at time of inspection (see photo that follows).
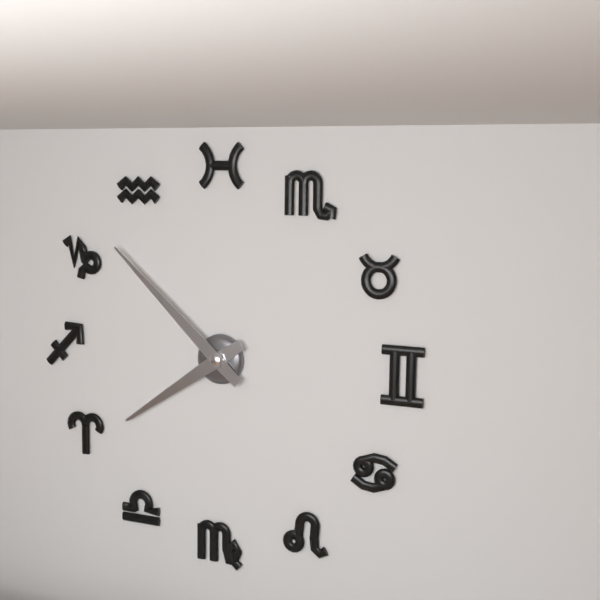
7:52
